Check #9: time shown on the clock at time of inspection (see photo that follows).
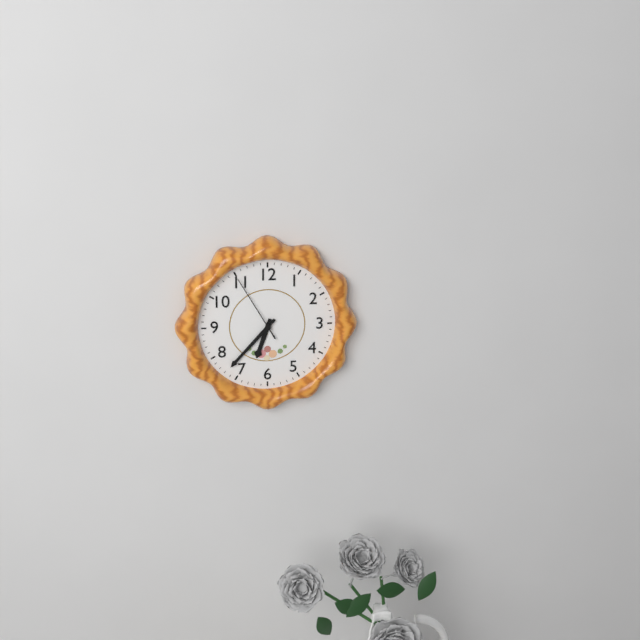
6:37:55
